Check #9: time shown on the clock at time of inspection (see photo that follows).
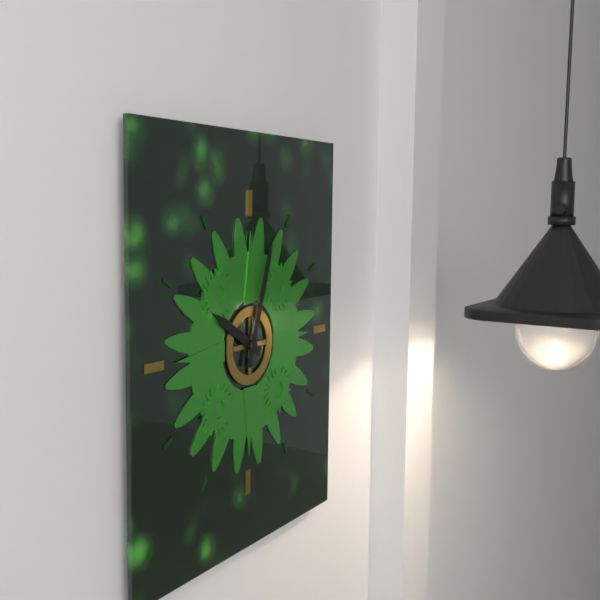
10:03
